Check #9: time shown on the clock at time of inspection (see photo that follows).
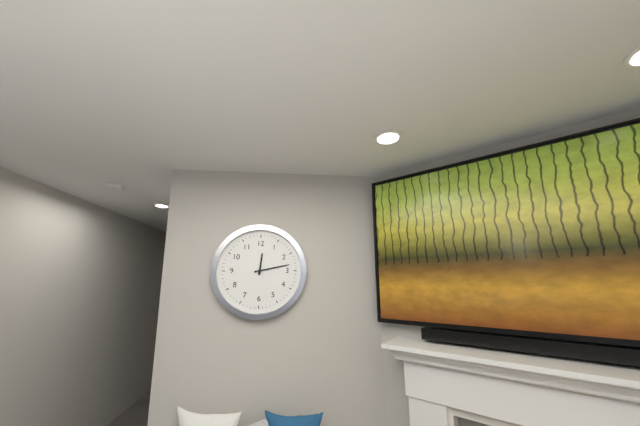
12:13
